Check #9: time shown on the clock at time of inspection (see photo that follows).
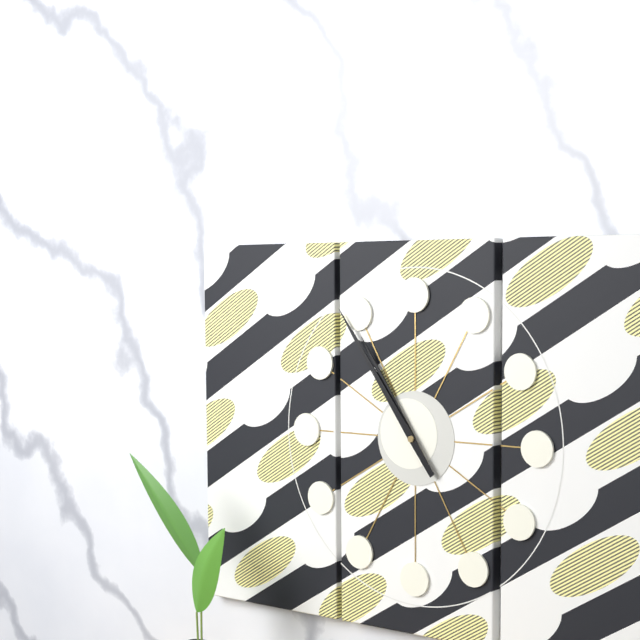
10:54
